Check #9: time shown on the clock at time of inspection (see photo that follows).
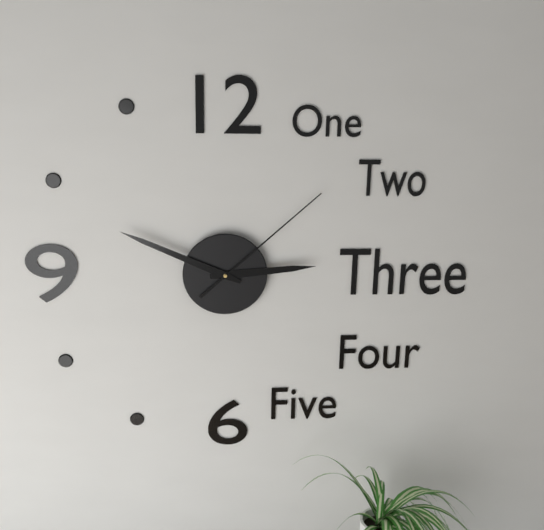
2:49:08
